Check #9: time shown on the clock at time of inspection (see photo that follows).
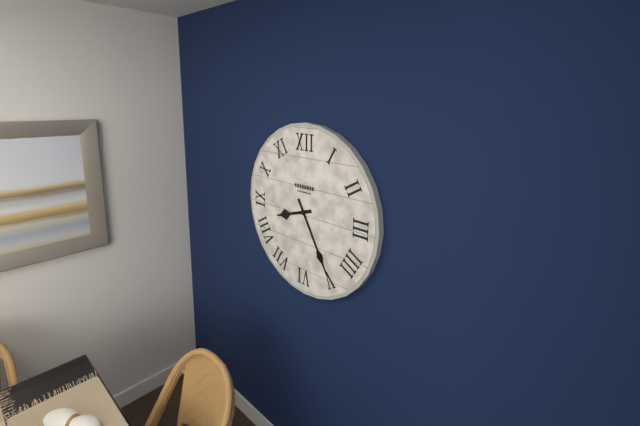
8:25
